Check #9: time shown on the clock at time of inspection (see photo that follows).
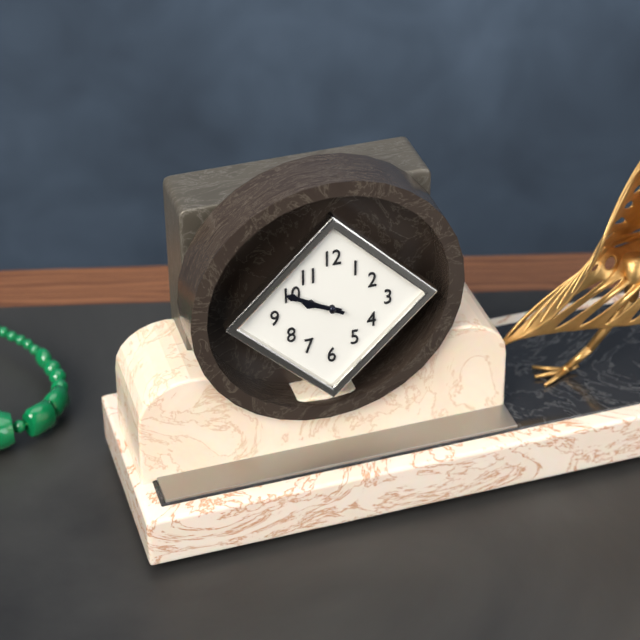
9:50
